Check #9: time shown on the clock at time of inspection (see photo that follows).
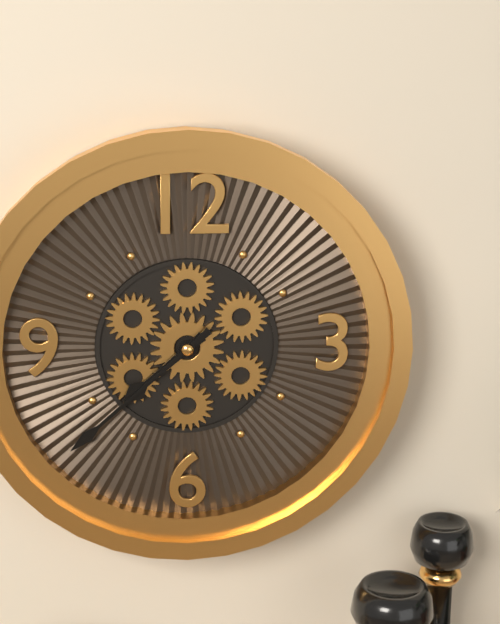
7:38
